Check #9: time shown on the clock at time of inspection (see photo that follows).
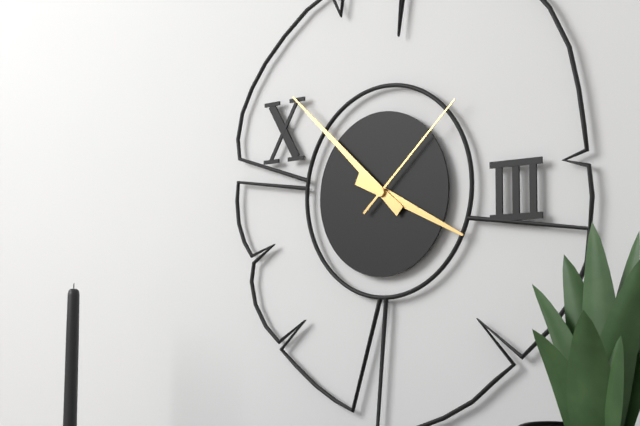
3:52:08
